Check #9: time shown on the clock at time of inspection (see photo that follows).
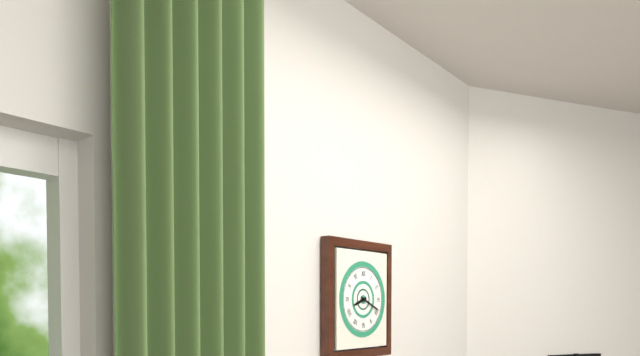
8:19
